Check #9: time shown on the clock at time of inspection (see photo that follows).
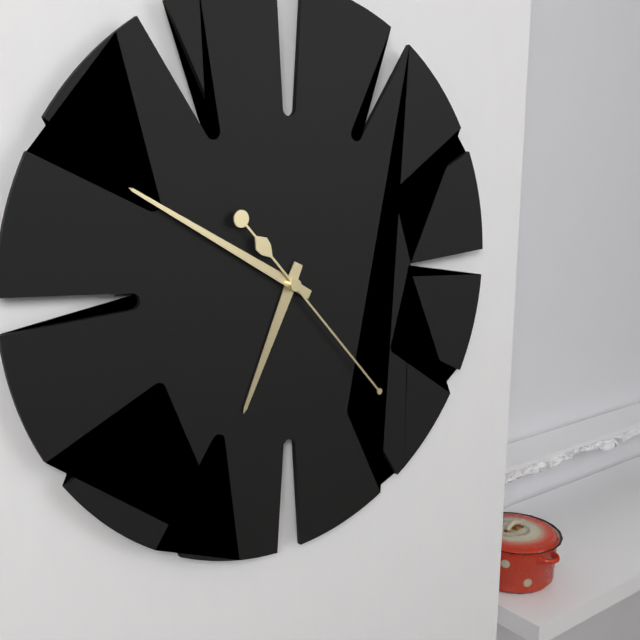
6:50:23
